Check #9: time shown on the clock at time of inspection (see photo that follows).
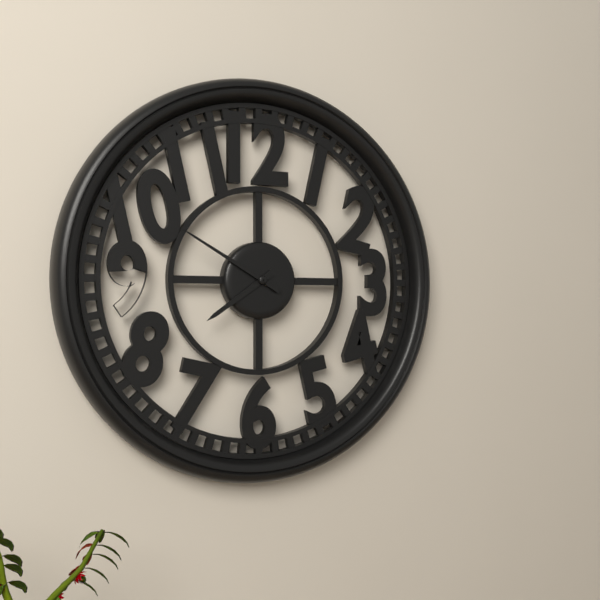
7:50
